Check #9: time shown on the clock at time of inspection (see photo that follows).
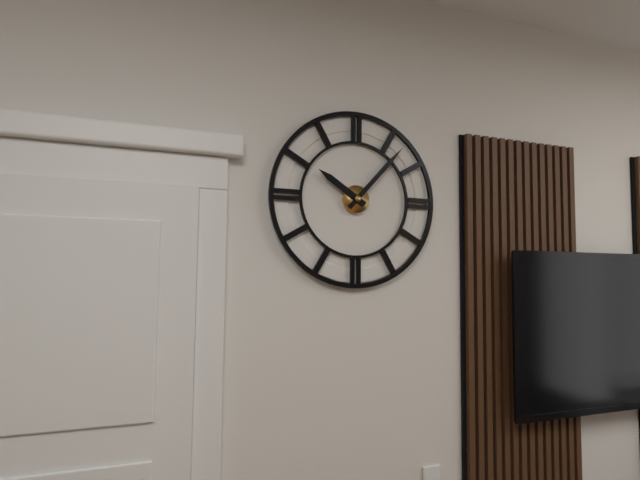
10:07
